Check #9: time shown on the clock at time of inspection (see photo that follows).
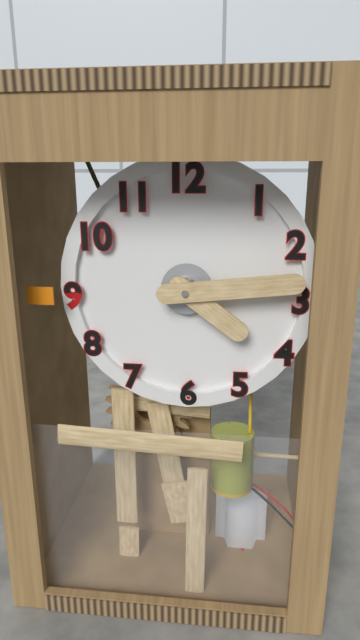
4:14
